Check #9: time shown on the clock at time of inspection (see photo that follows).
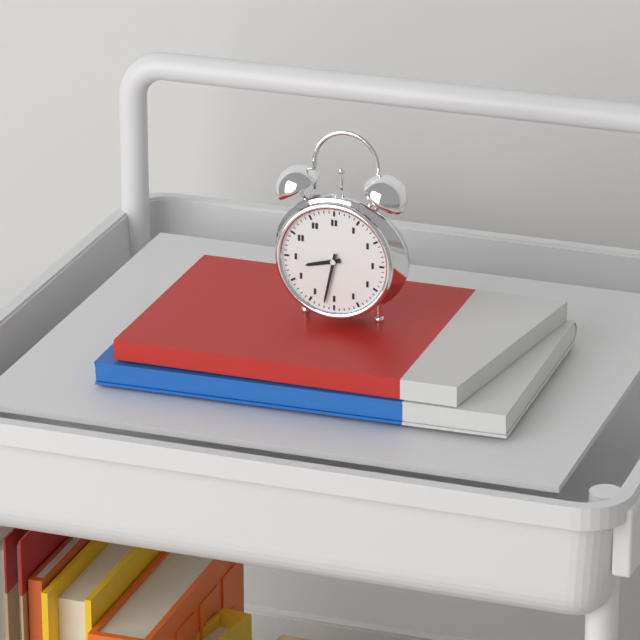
8:32
